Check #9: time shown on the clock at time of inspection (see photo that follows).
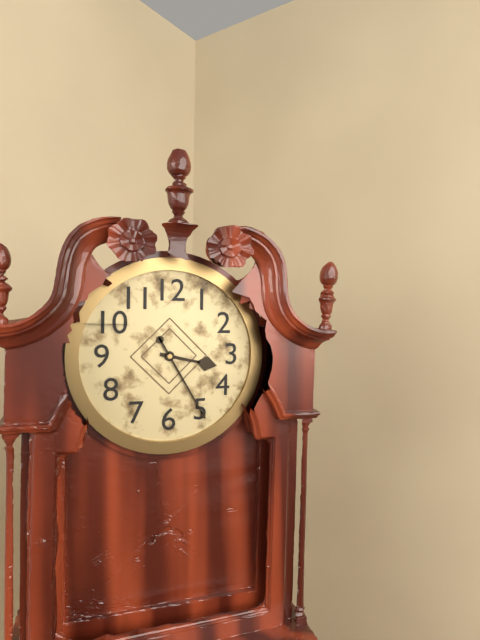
3:25
